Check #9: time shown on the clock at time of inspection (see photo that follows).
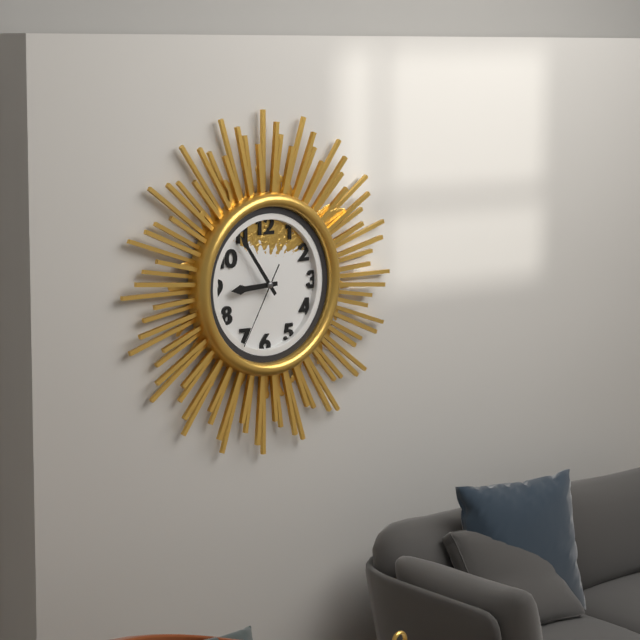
8:54:35
